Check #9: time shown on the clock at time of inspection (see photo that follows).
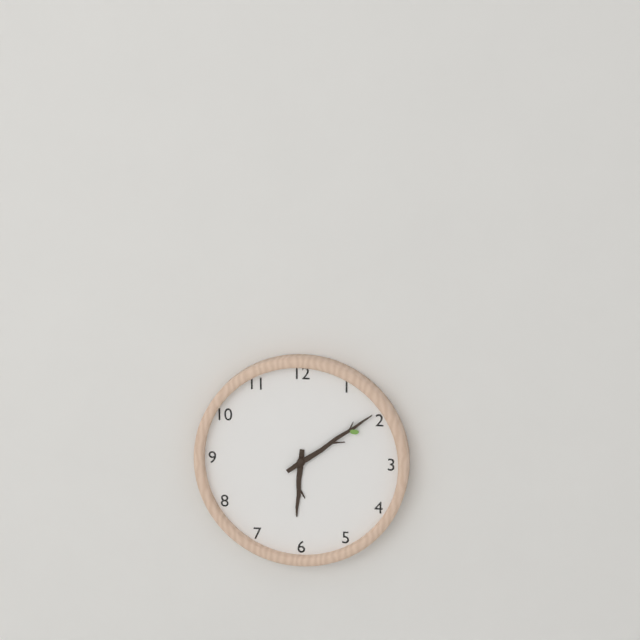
6:09
